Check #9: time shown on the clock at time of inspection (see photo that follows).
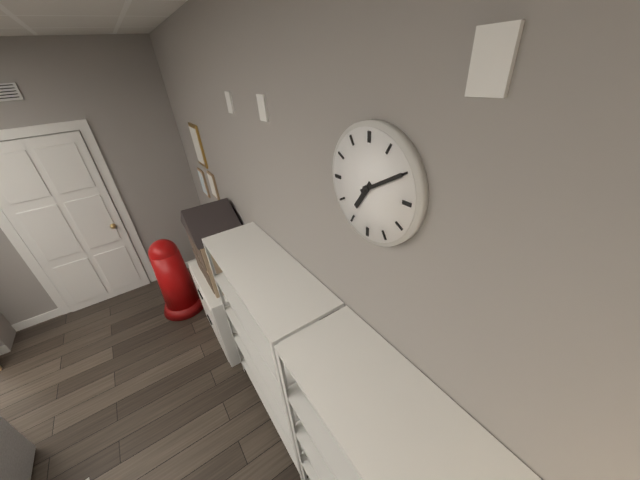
7:10
